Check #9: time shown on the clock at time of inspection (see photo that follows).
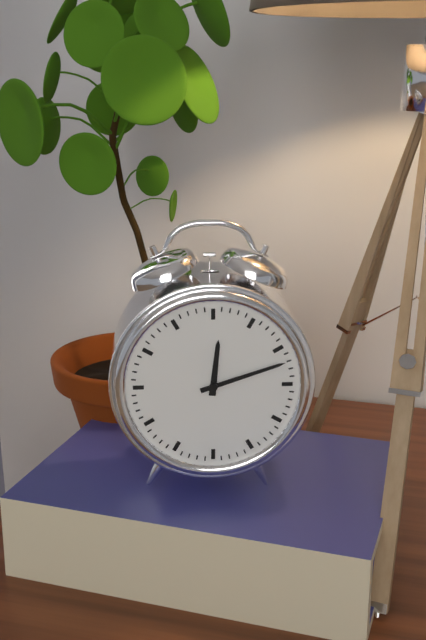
12:12
